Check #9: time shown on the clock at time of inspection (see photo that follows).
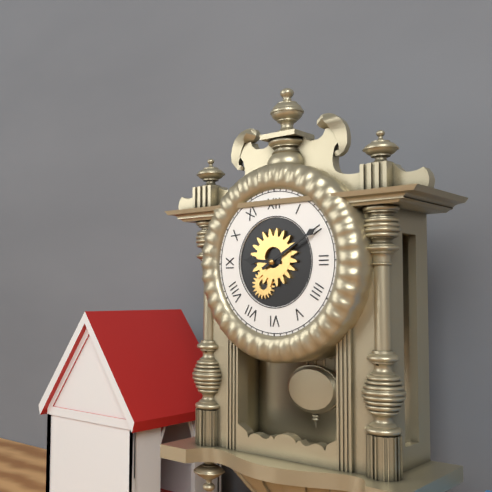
9:10
